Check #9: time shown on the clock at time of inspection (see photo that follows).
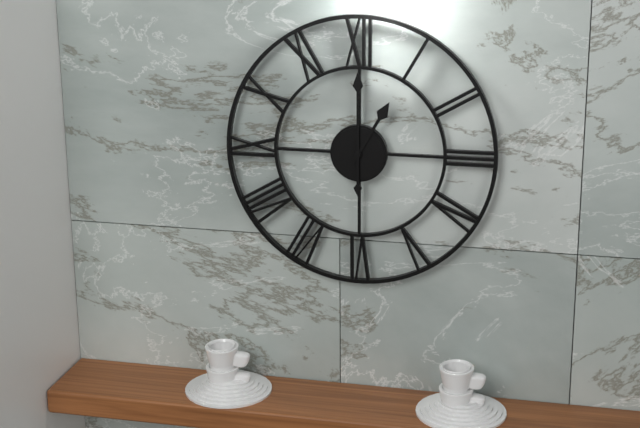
1:00
